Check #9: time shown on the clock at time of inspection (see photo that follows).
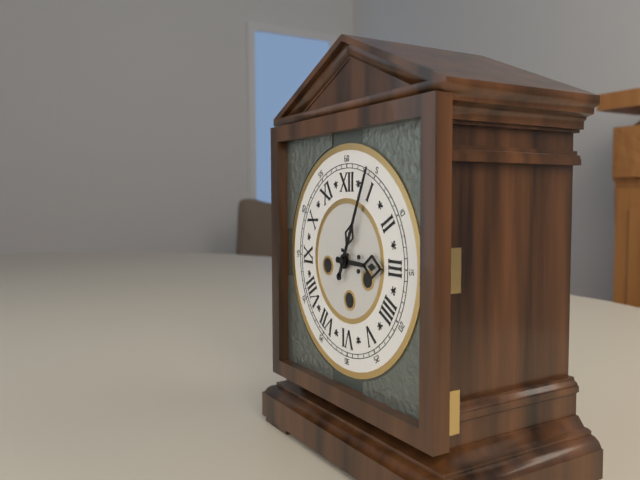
3:04
